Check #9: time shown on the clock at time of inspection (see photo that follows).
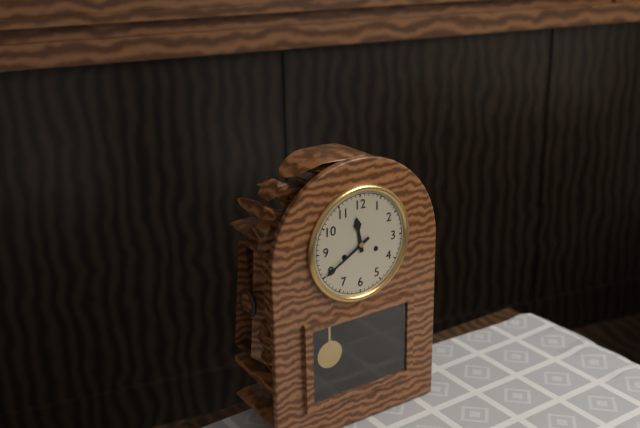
11:40
